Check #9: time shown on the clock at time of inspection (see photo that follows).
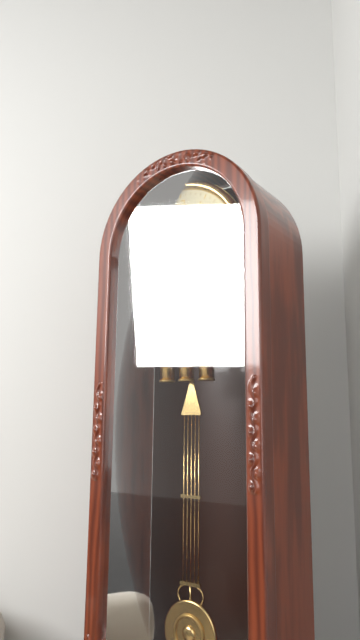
6:45
